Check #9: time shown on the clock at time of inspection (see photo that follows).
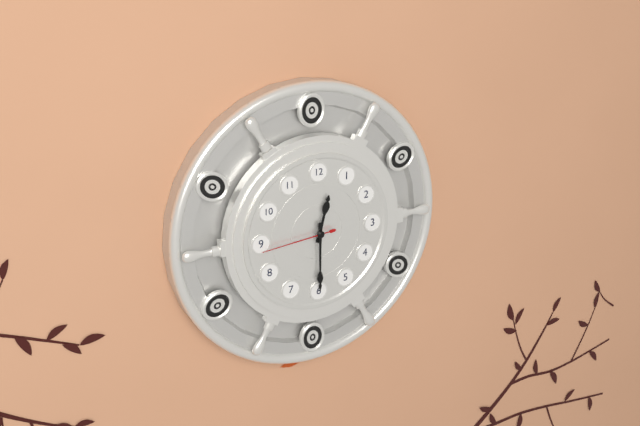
12:30:44
